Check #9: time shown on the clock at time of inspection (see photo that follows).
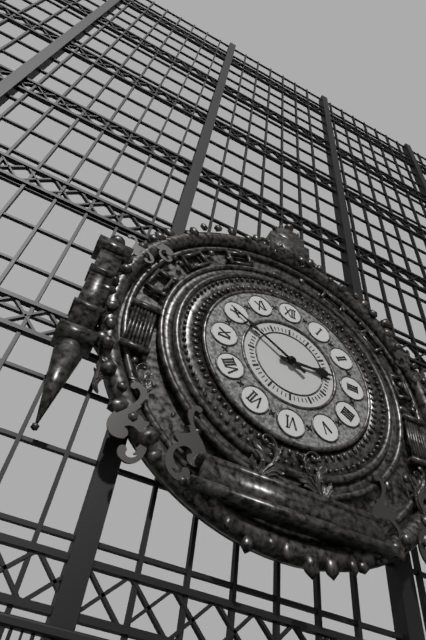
2:50
